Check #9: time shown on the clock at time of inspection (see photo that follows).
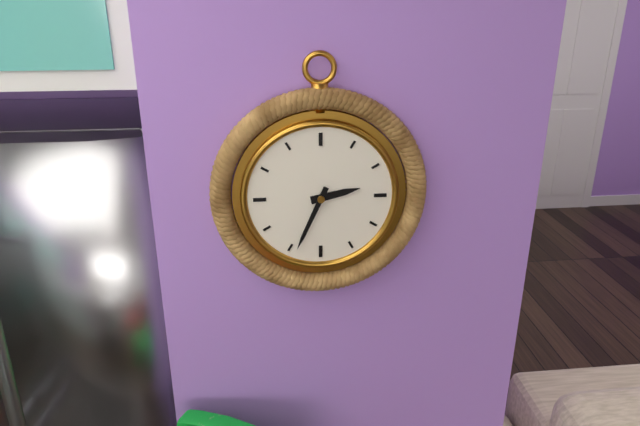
2:34
